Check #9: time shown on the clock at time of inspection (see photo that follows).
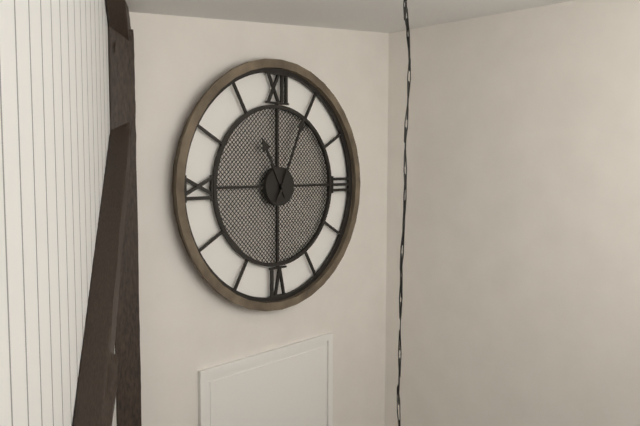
11:04
